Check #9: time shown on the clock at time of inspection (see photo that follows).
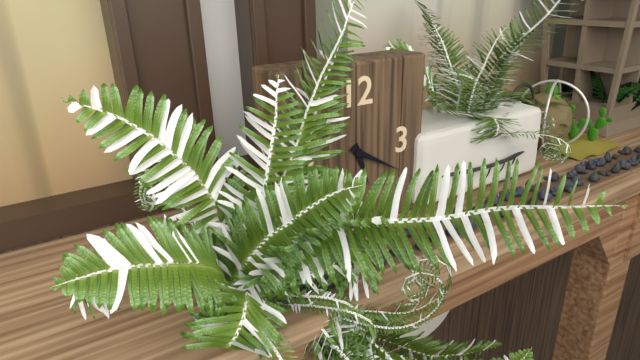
5:20
